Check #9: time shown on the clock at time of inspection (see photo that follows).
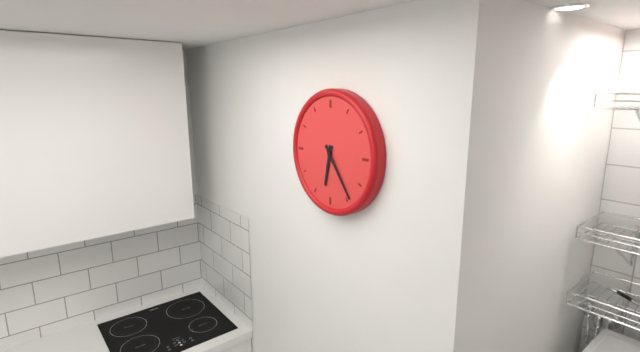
6:24
